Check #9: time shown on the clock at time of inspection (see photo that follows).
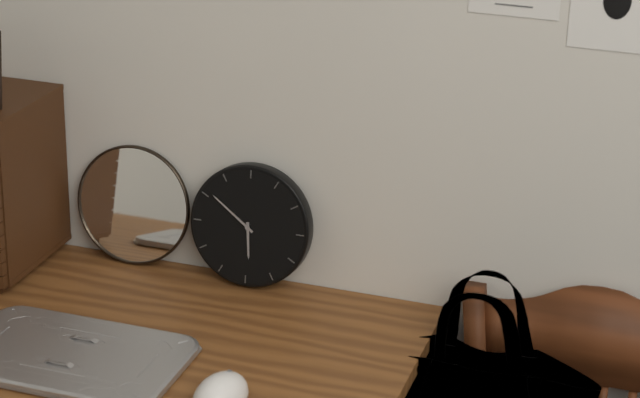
5:51
